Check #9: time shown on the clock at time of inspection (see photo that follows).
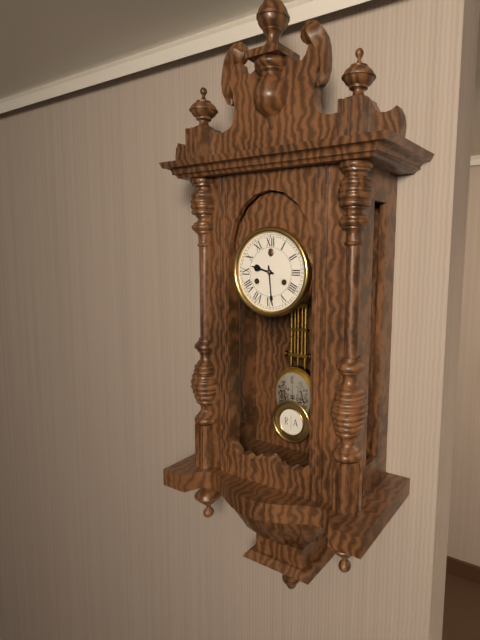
9:29
